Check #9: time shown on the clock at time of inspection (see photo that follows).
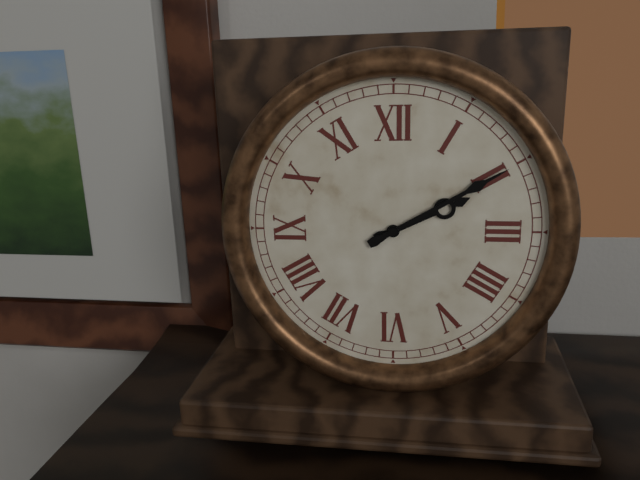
2:10
